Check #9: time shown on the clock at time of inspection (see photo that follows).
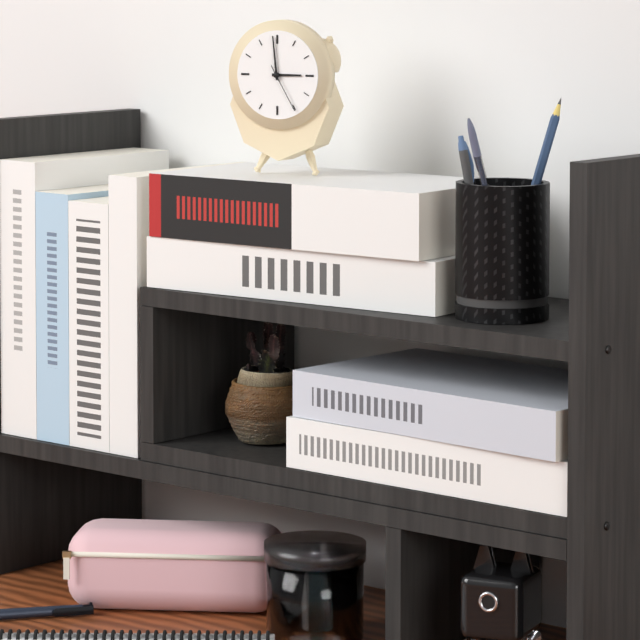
2:59
